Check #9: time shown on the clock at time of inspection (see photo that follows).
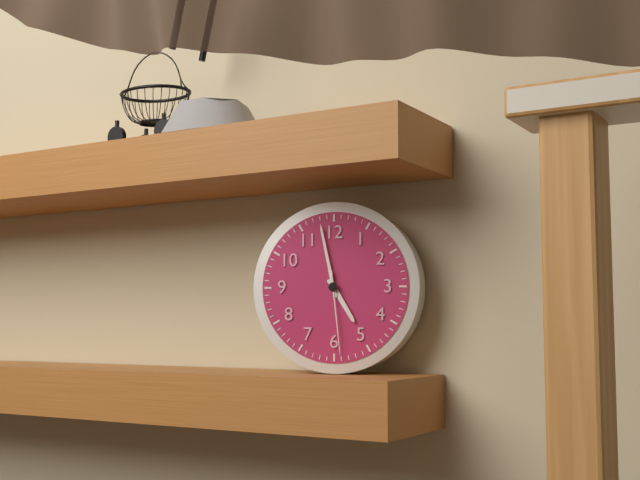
4:58:29
